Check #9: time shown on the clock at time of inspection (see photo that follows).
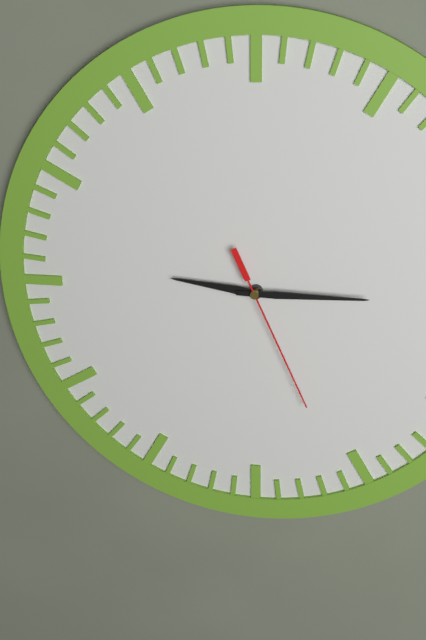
9:15:26
